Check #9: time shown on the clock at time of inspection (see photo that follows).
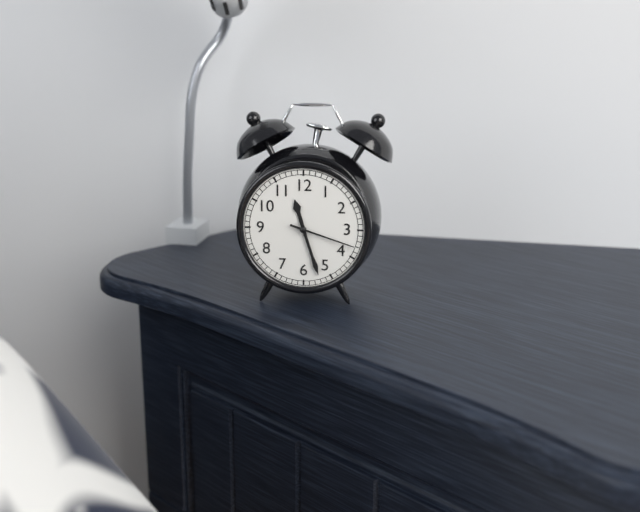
11:27:18
